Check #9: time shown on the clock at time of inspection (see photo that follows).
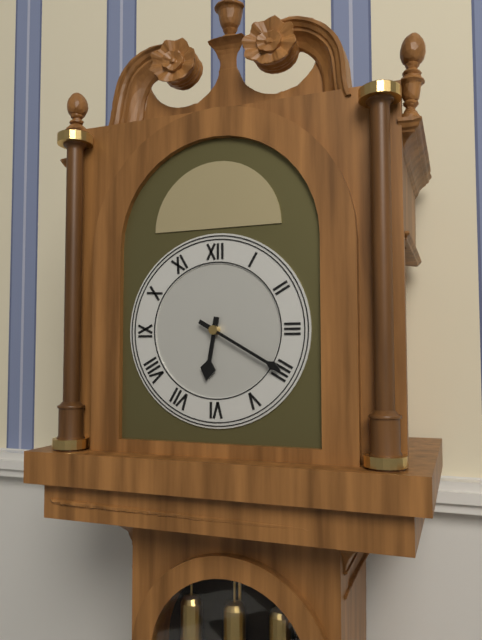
6:20
